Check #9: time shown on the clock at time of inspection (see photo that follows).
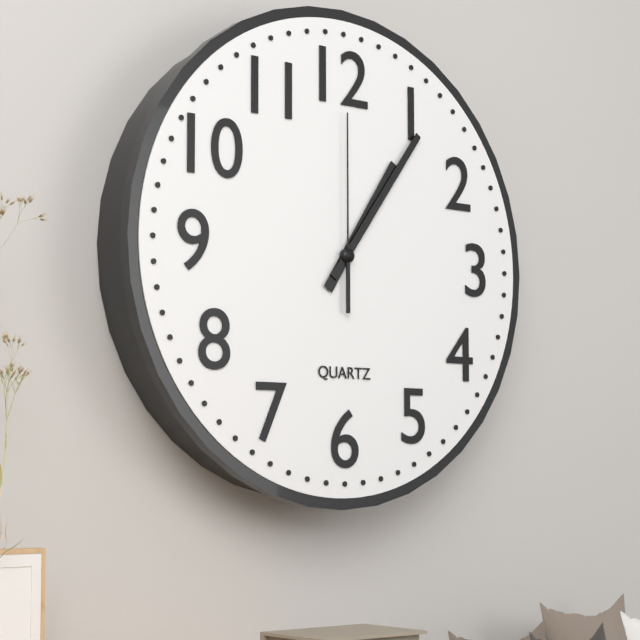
1:06:00
